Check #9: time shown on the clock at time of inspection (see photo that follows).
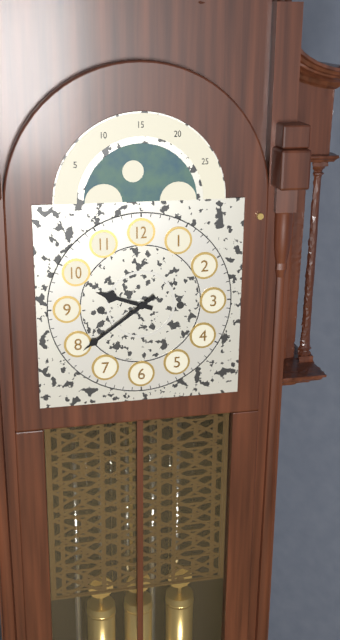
9:39
